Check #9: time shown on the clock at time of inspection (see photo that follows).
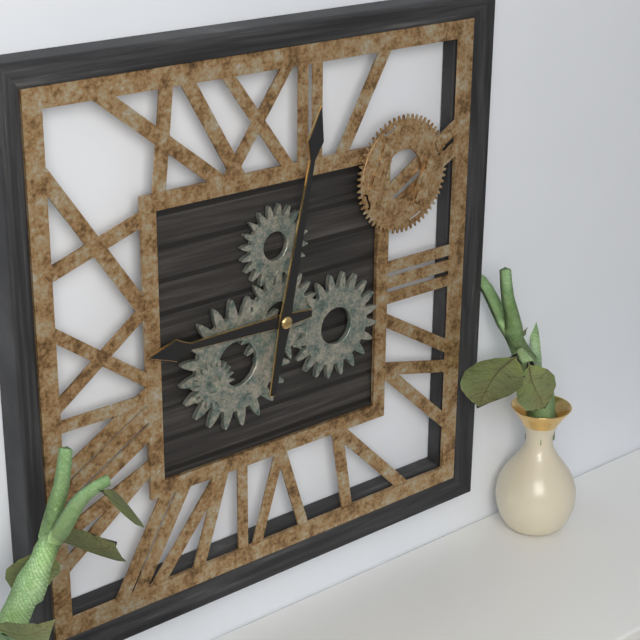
9:02
